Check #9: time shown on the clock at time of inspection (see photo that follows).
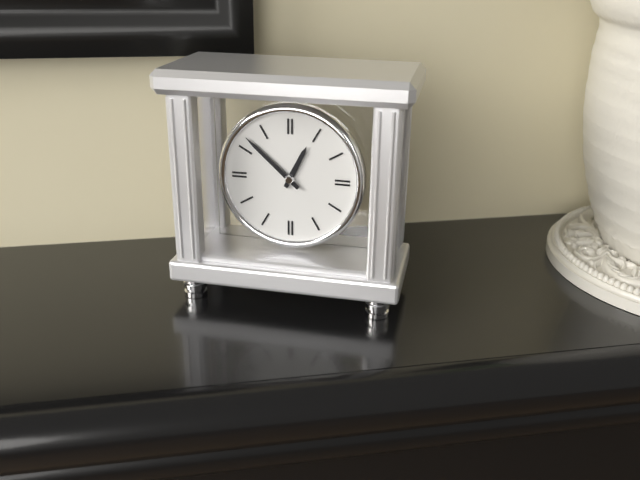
12:52
